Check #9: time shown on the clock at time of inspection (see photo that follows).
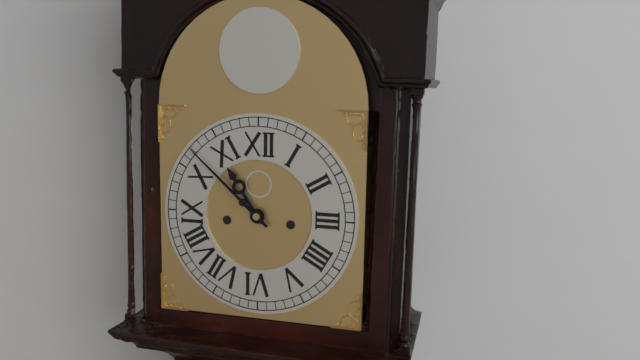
10:52
